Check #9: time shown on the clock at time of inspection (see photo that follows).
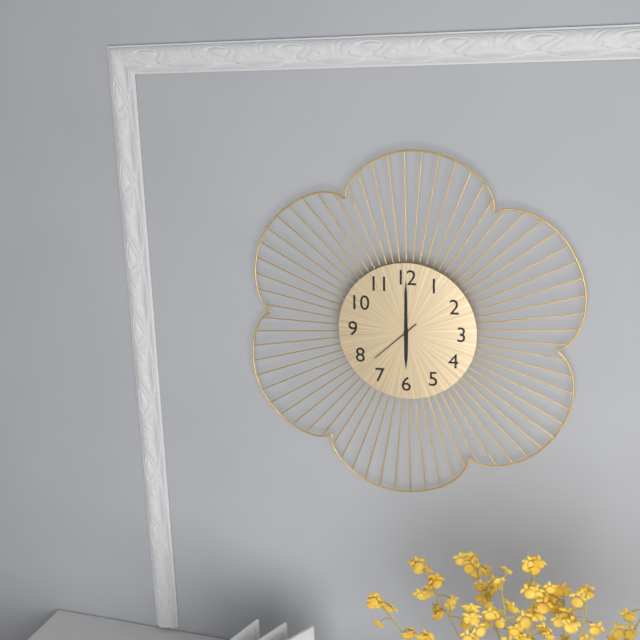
6:00:38
